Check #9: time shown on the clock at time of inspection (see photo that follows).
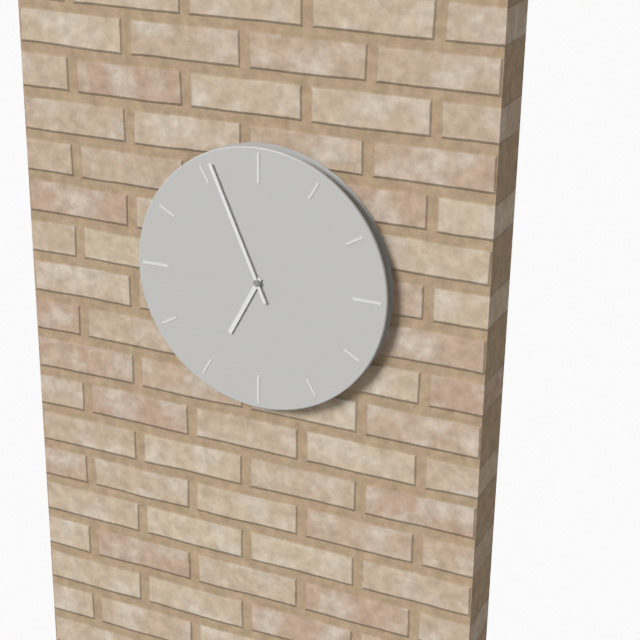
6:56
